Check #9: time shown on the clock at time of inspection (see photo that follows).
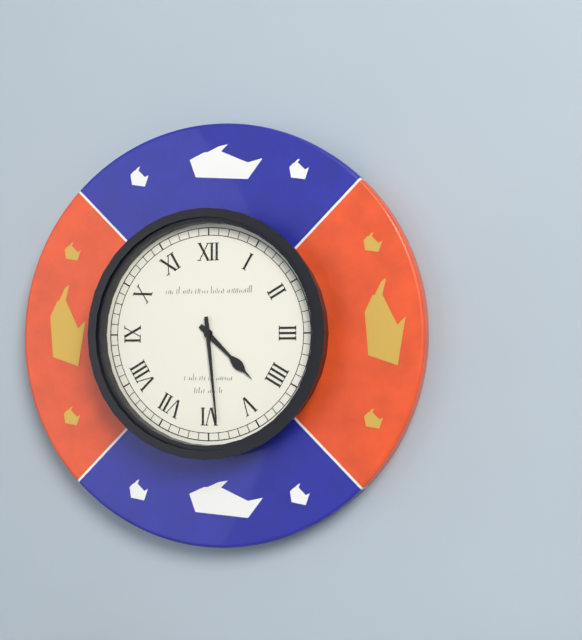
4:29
